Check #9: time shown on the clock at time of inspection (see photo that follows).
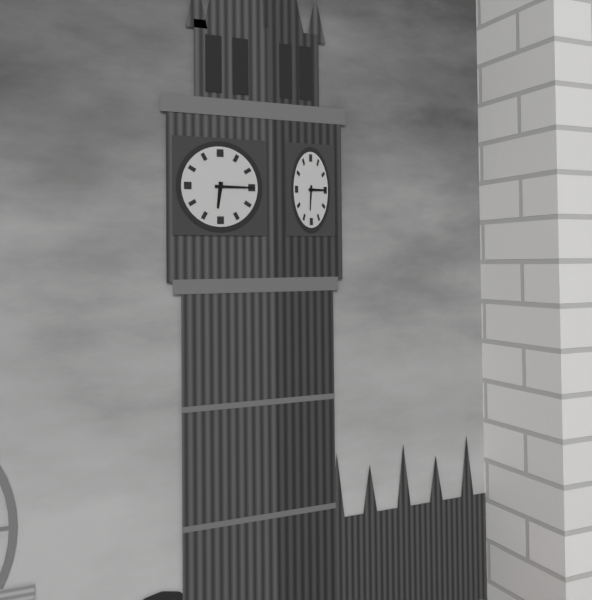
6:15
